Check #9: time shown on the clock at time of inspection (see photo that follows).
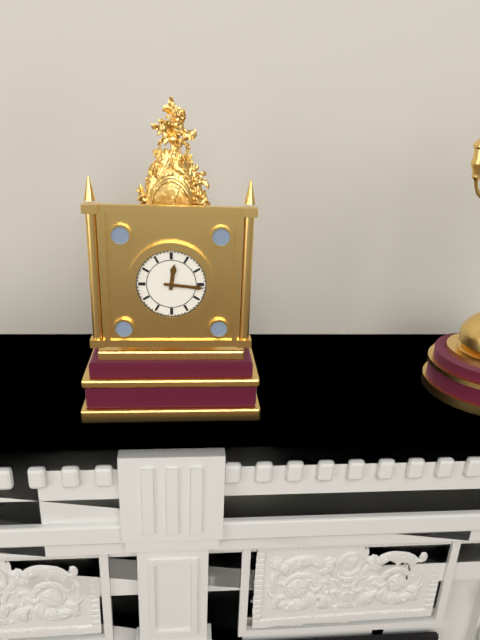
12:16
